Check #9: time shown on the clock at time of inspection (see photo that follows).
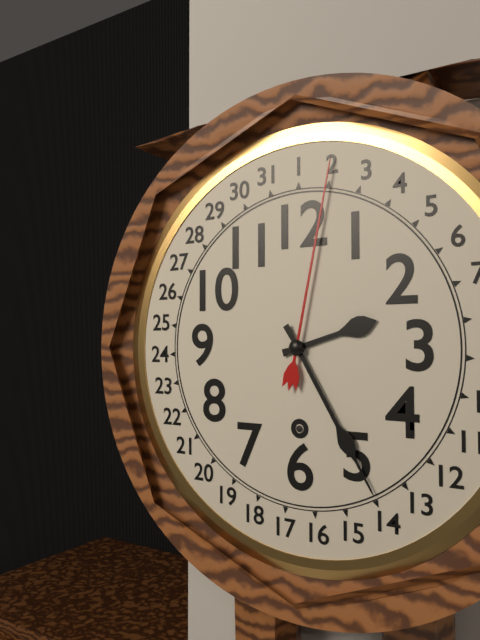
2:25
